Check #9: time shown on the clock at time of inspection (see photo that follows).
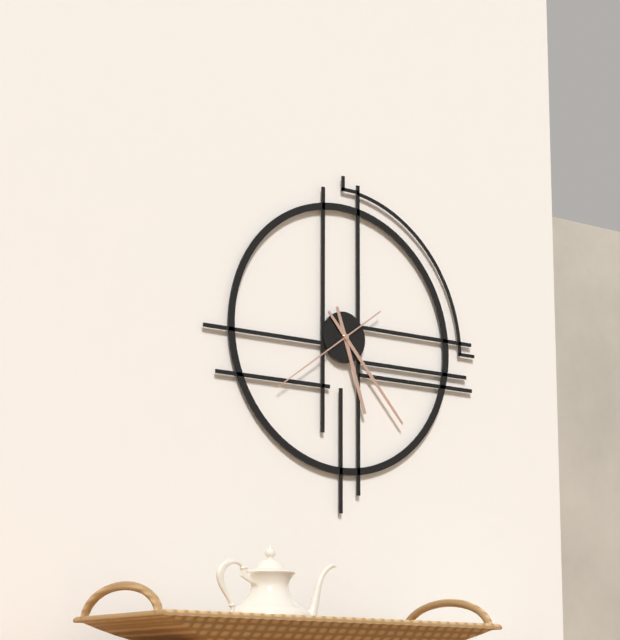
5:23:39
